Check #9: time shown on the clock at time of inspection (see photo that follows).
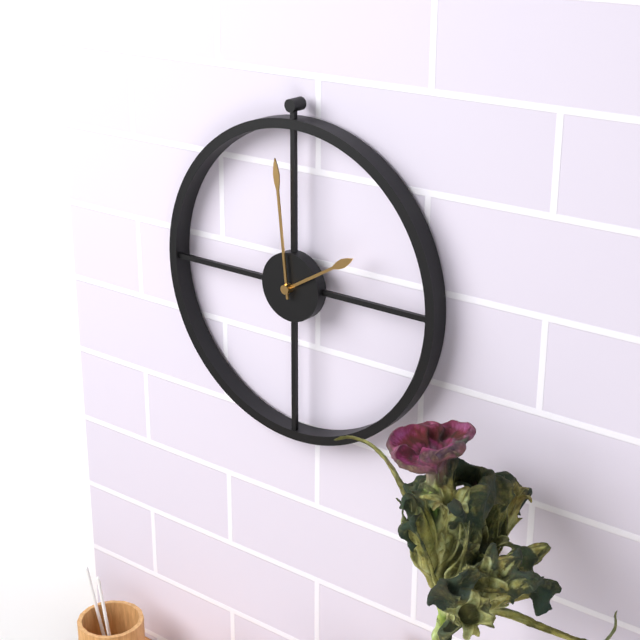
1:59
